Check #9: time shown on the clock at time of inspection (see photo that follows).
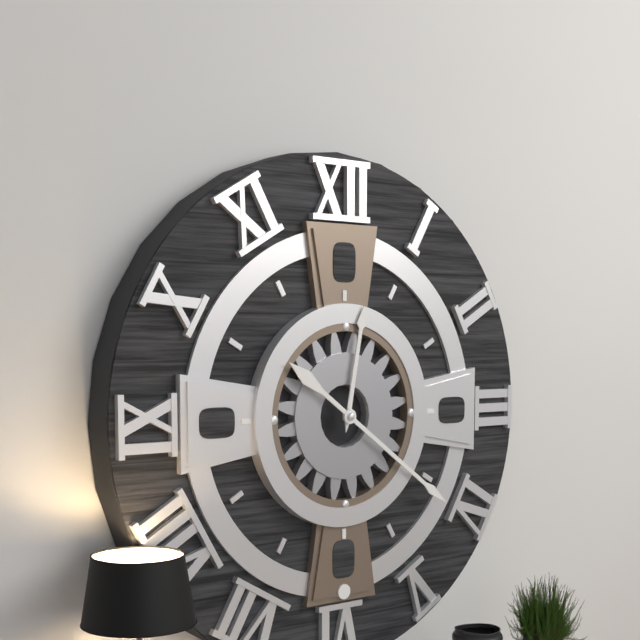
12:21
